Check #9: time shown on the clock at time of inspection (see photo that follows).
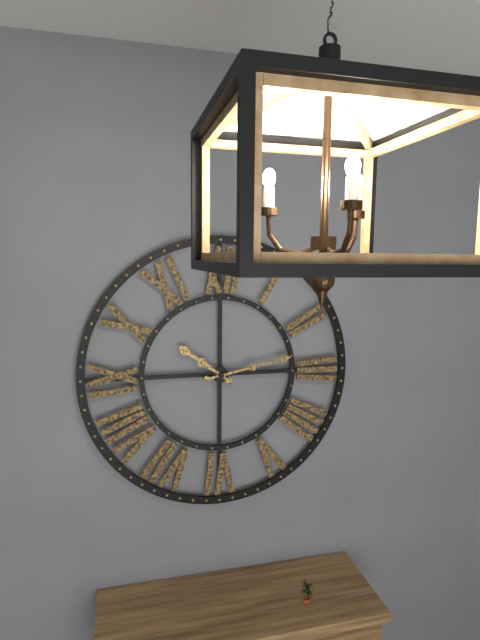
10:13
